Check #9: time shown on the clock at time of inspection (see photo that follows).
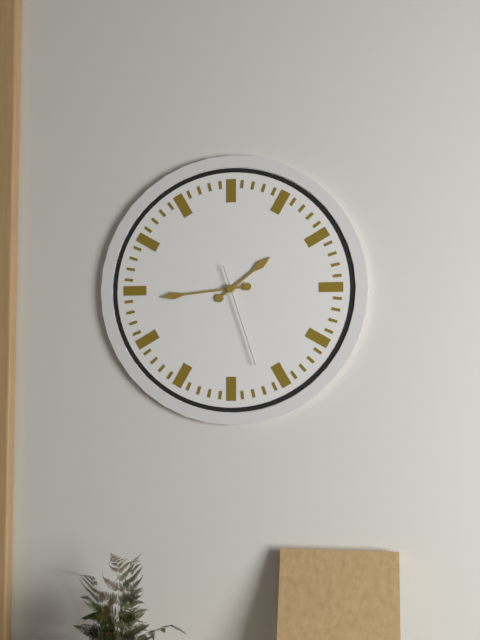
1:44:27
